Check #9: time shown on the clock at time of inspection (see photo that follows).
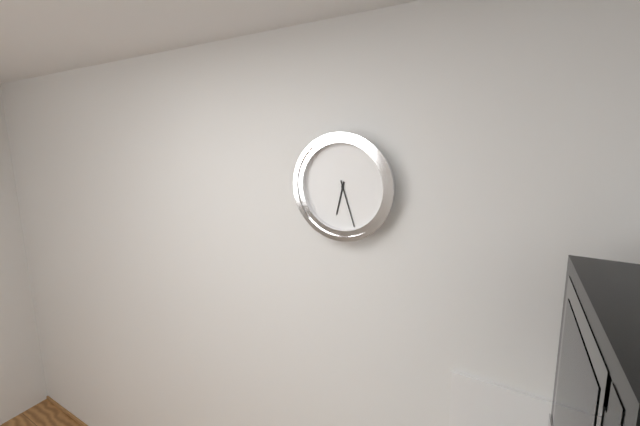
6:27
